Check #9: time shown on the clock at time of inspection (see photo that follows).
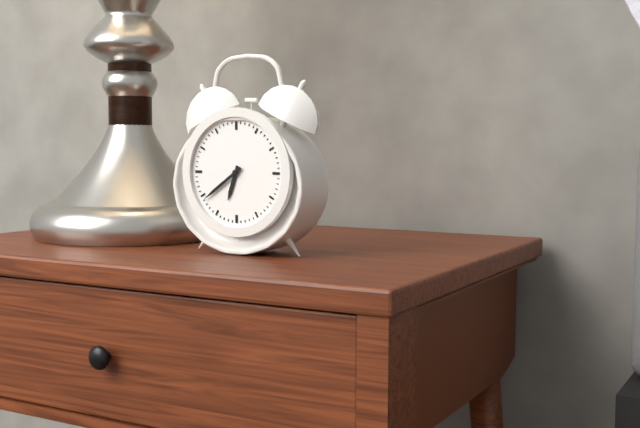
6:39
